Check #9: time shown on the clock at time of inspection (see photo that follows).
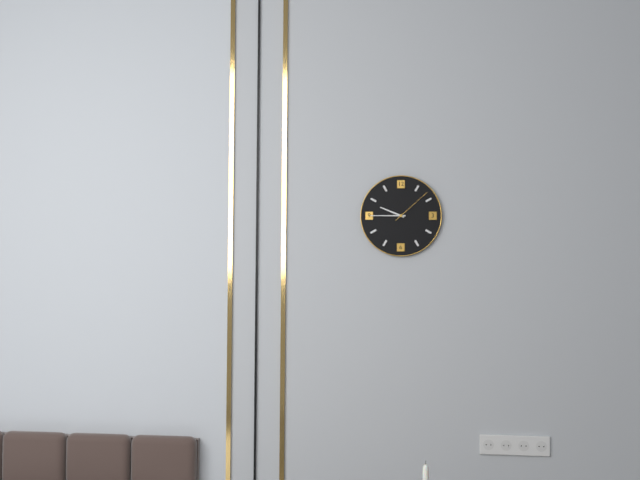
9:45
